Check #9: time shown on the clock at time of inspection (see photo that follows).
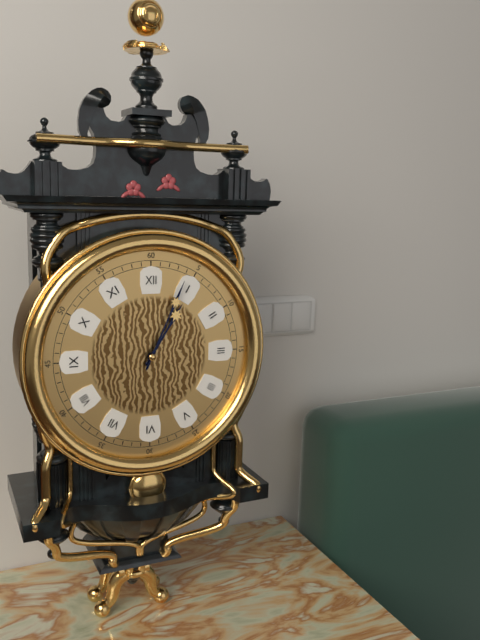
1:04
